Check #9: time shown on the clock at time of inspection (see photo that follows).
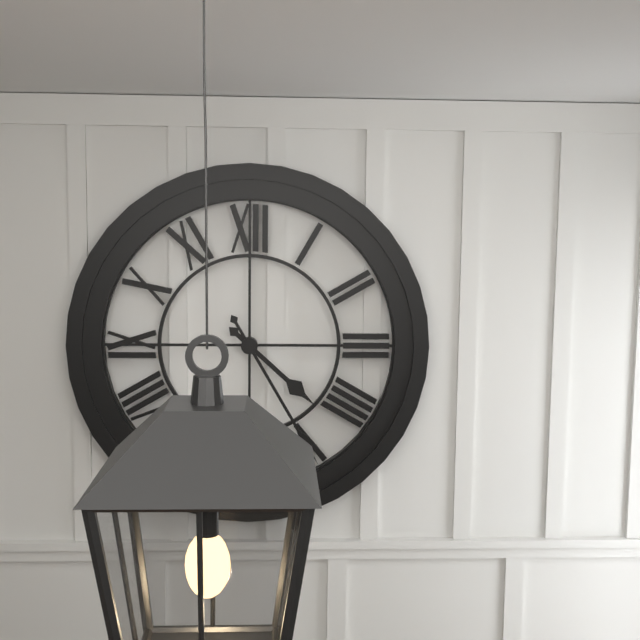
4:25
